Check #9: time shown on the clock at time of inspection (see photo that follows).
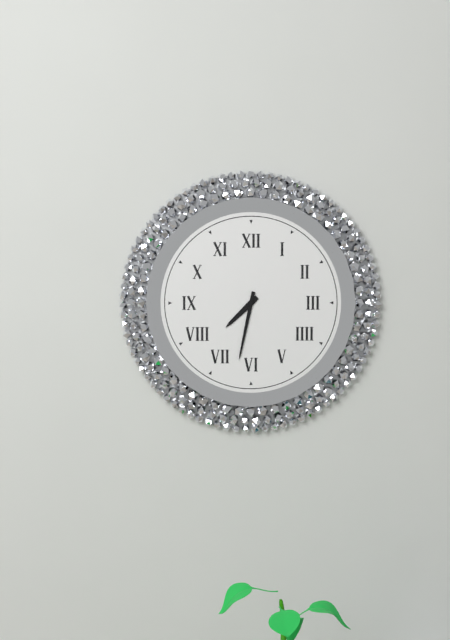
7:32
